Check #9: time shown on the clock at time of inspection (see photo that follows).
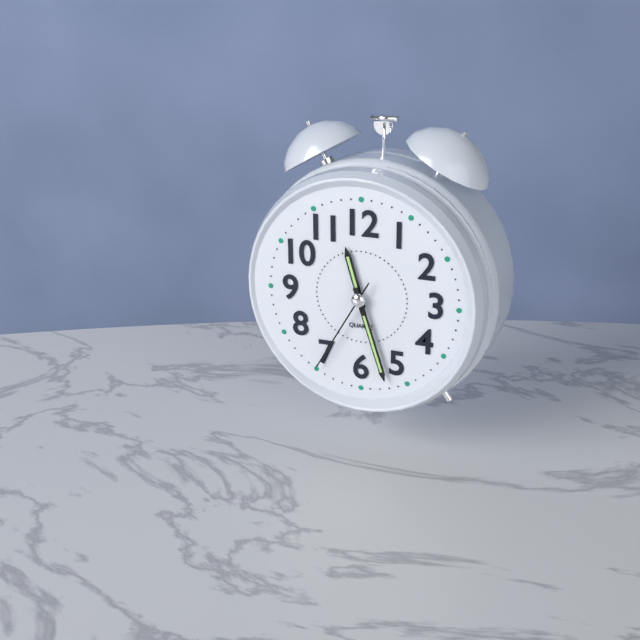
11:27:35
